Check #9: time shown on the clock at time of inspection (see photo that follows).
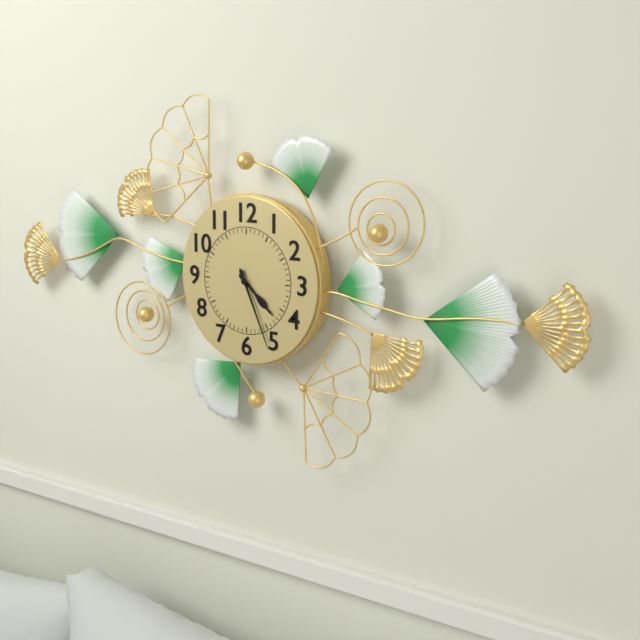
4:26
